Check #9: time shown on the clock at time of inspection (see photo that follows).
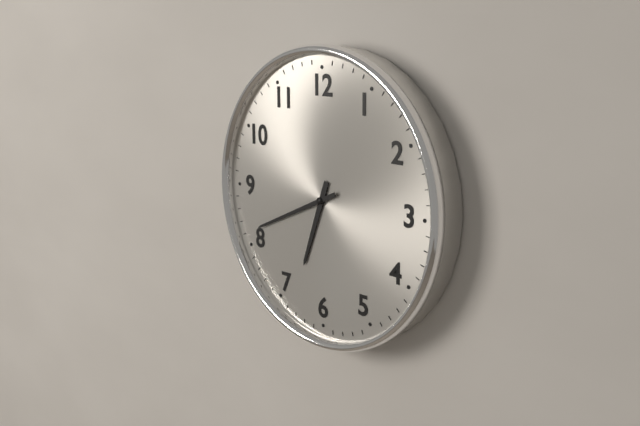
6:41
